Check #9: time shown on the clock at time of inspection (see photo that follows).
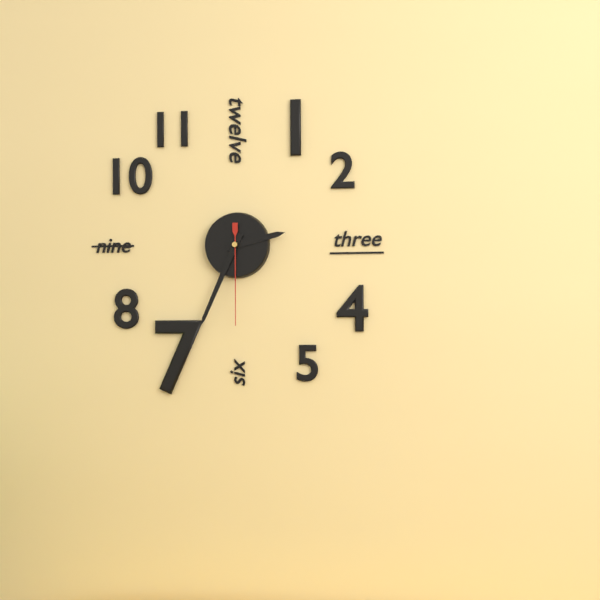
2:34:30
